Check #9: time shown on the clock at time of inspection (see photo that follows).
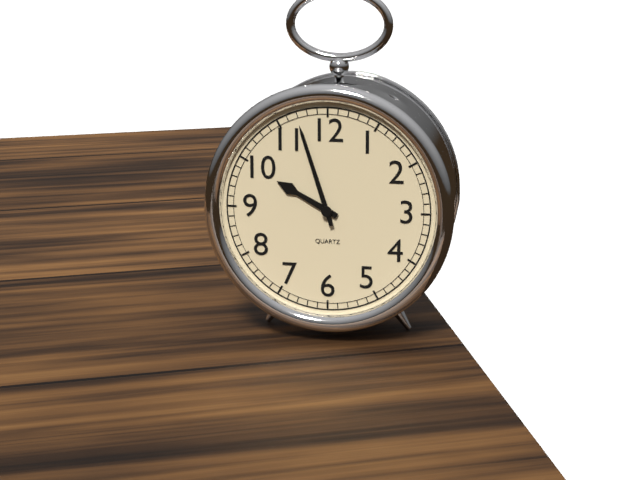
9:57
